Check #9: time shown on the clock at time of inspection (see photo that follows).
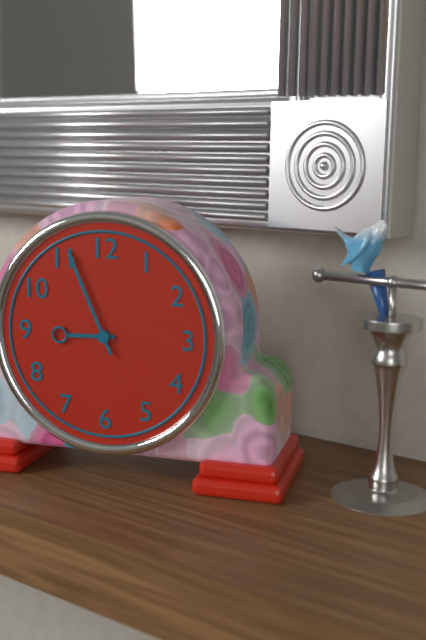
8:56
